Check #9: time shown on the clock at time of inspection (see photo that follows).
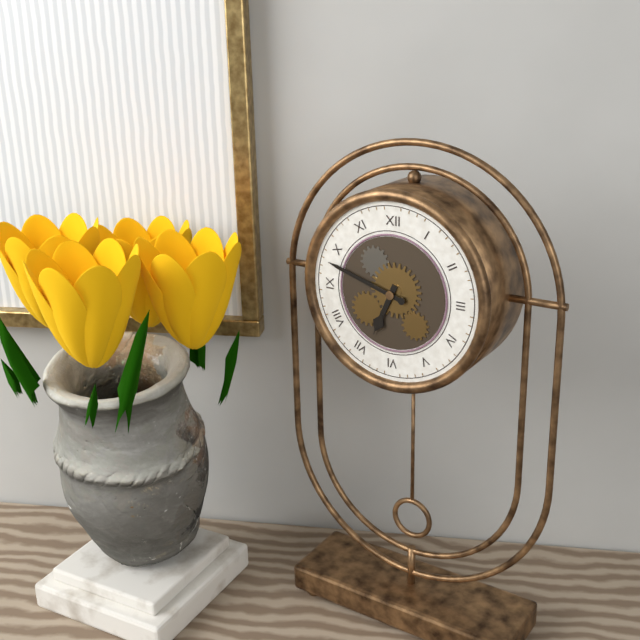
6:48
